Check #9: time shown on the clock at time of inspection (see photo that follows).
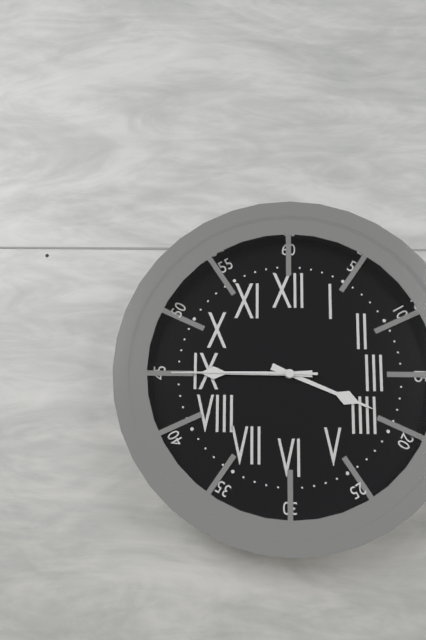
3:45:45
